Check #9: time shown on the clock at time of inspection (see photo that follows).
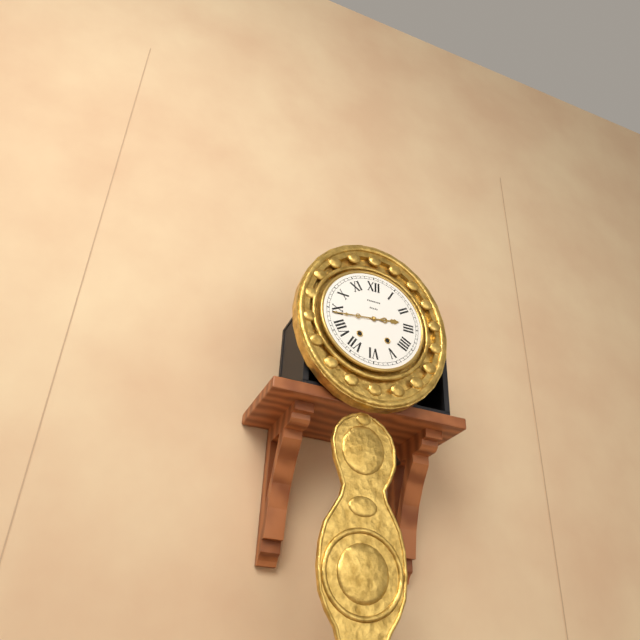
2:44
